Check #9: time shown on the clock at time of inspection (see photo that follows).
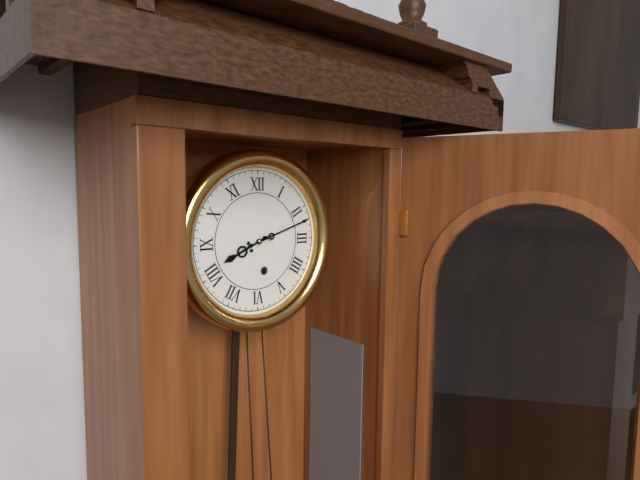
8:12
